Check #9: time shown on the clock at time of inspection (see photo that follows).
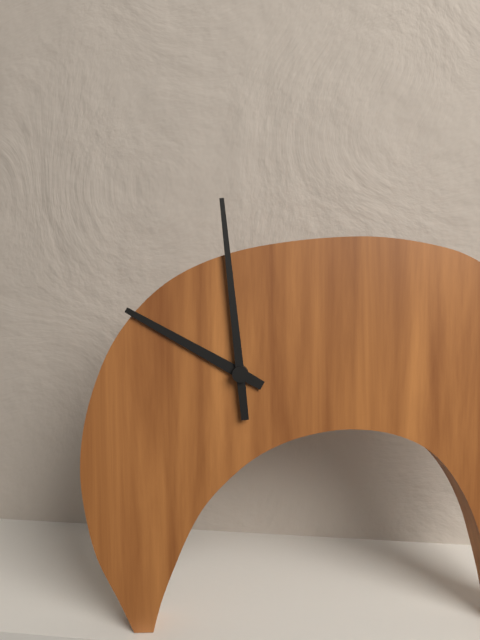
9:59
